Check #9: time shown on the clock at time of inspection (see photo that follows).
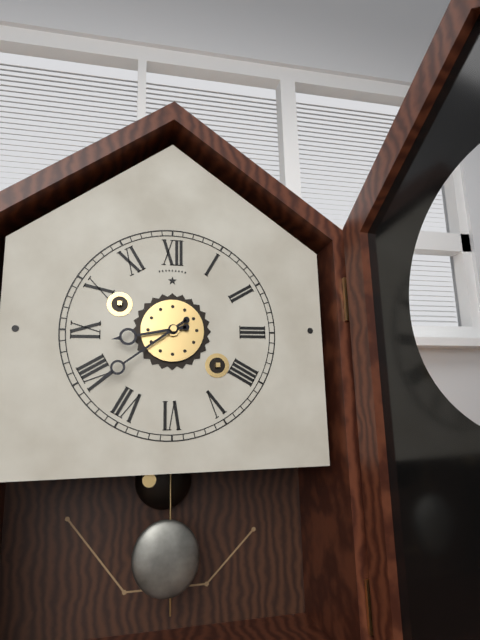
8:39
